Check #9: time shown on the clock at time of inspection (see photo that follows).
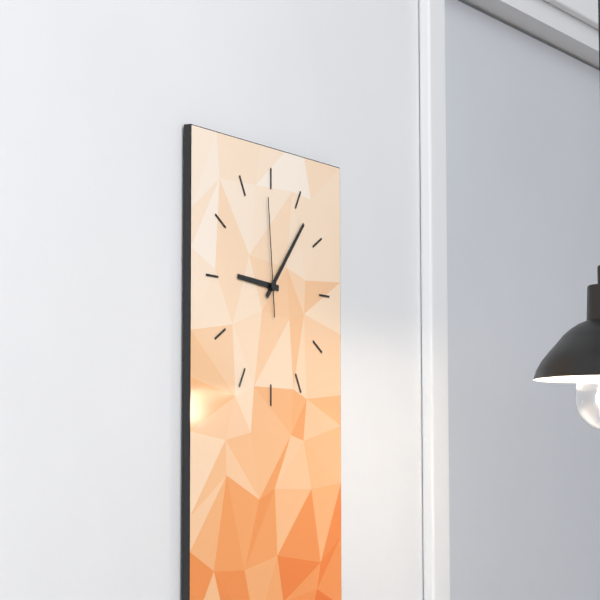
9:07:59
